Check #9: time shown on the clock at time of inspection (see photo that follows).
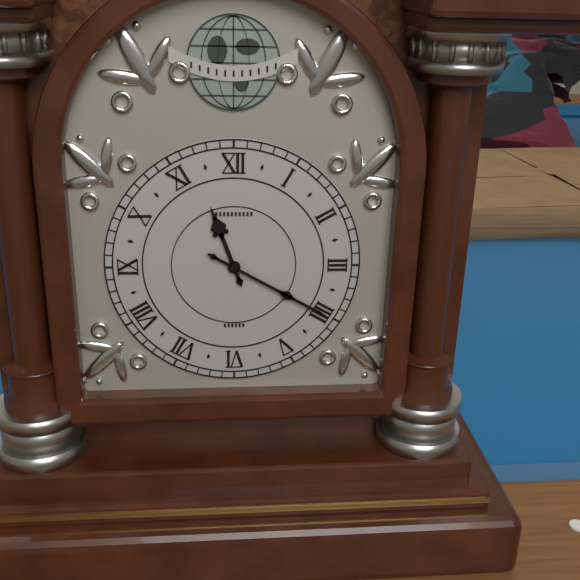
11:20
